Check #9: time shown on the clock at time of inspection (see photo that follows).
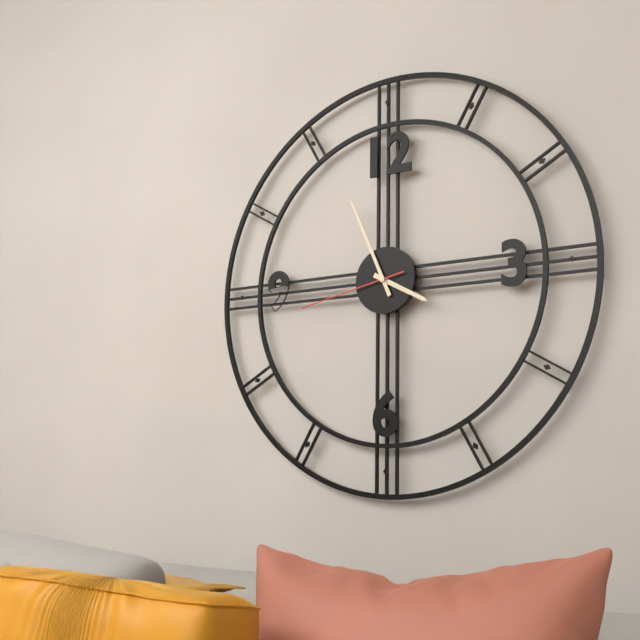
3:56:43
